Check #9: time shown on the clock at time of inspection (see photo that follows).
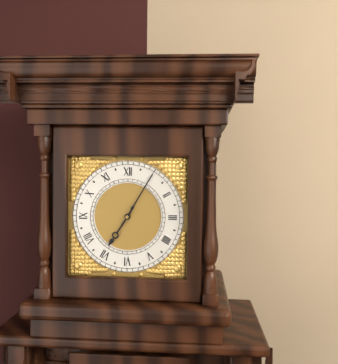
7:05
